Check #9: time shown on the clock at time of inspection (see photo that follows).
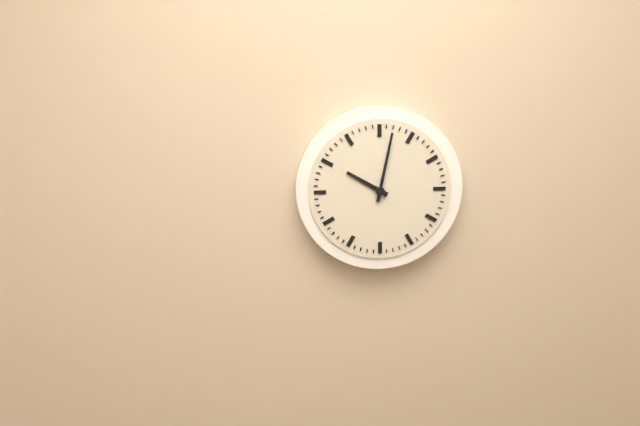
10:02
